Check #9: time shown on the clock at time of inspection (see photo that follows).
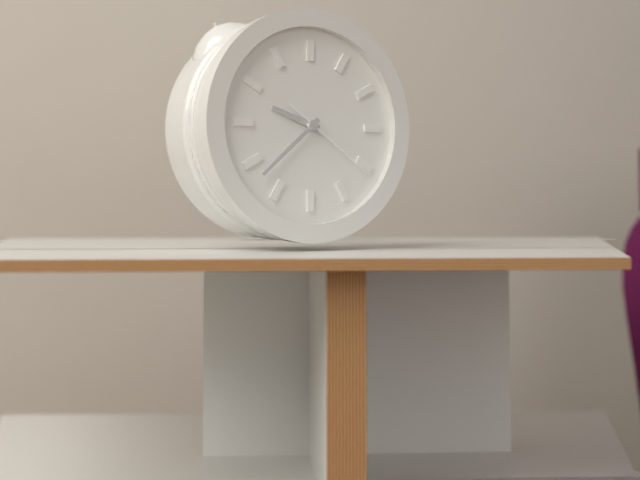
9:38:21
